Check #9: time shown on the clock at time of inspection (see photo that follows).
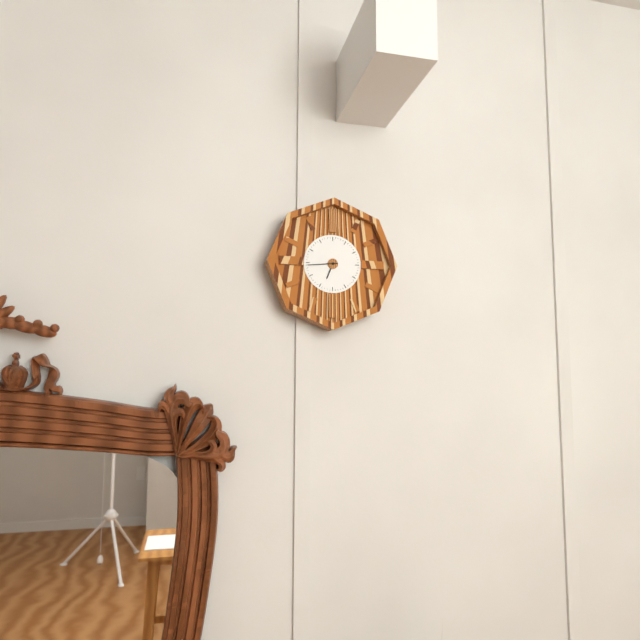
6:44
